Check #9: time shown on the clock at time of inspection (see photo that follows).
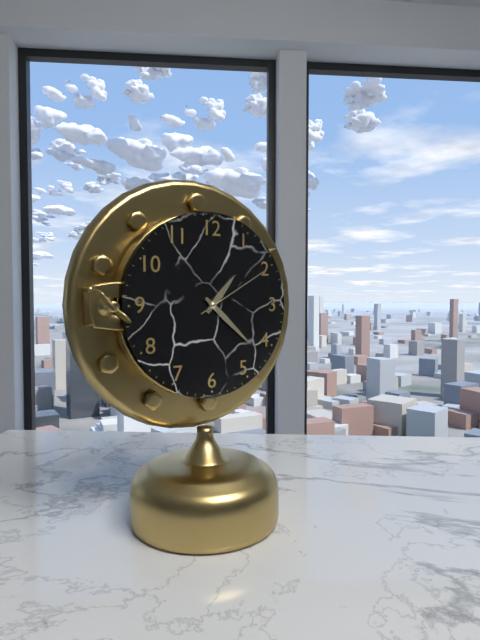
1:22:10
